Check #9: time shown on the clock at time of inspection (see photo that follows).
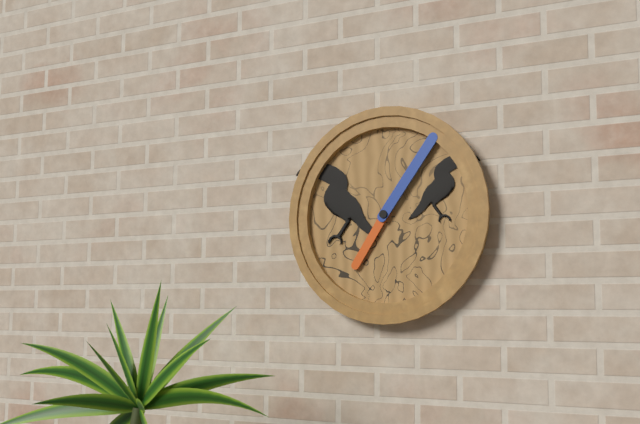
7:06
